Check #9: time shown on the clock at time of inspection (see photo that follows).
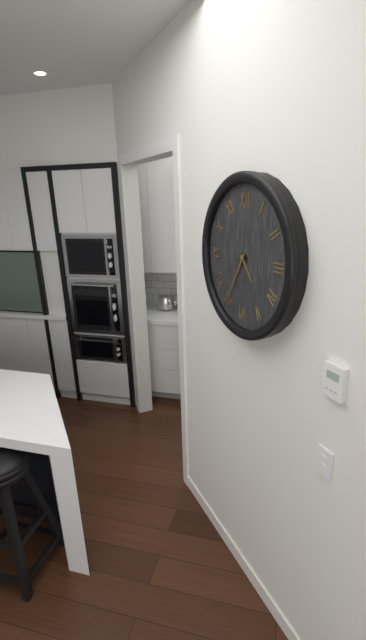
4:35
